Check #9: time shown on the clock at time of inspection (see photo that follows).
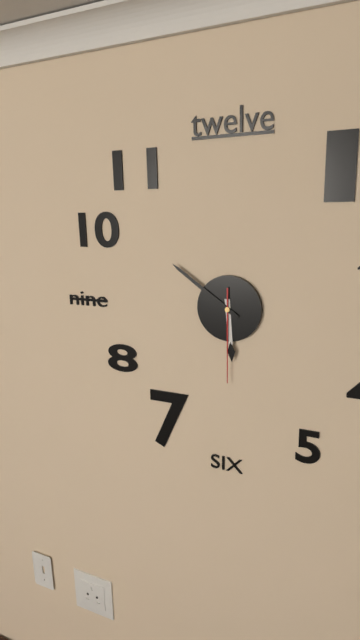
5:51:30
